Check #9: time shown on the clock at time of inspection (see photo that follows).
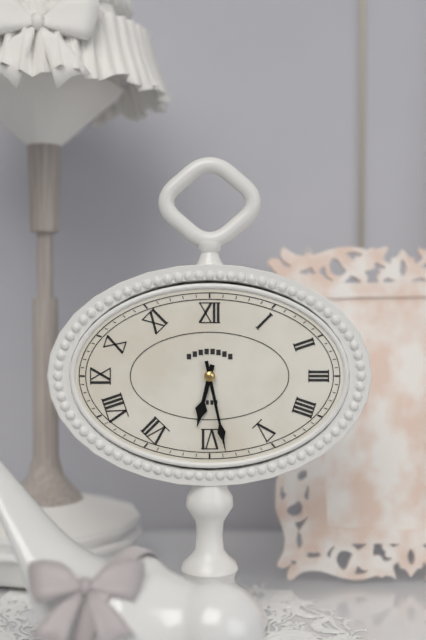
6:28
